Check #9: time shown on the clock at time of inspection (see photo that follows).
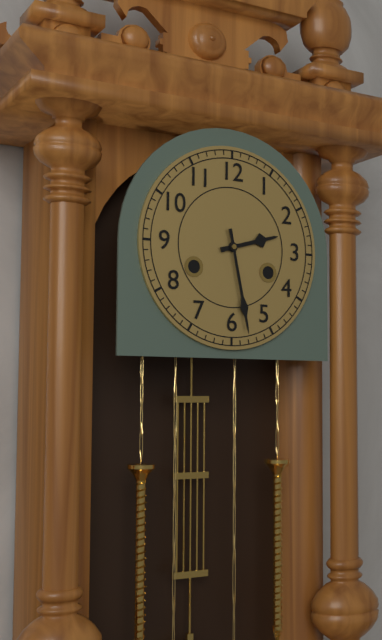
2:28
